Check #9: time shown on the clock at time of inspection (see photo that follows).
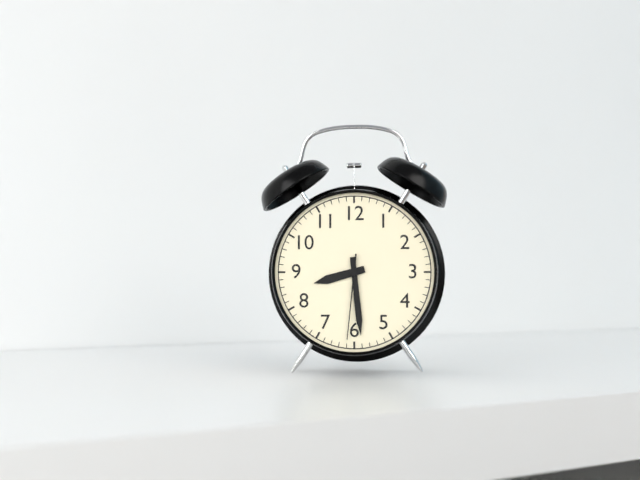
8:29:31
